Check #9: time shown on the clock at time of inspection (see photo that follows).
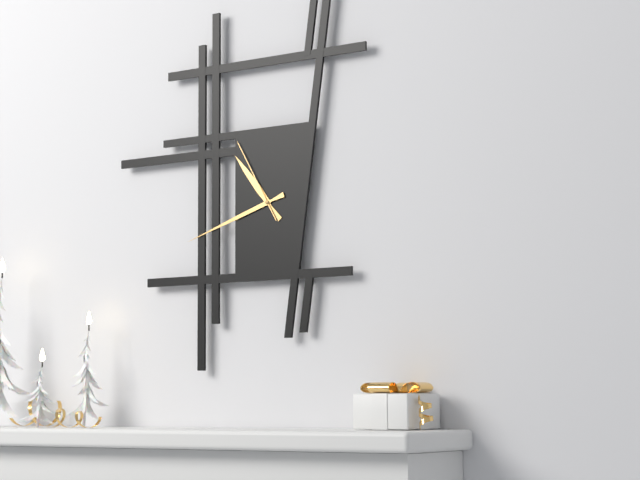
10:42:55
